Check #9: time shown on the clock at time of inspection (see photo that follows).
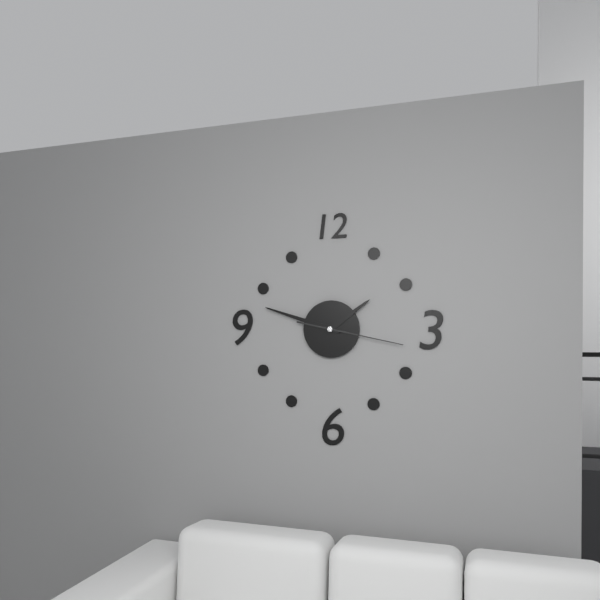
1:48:17
